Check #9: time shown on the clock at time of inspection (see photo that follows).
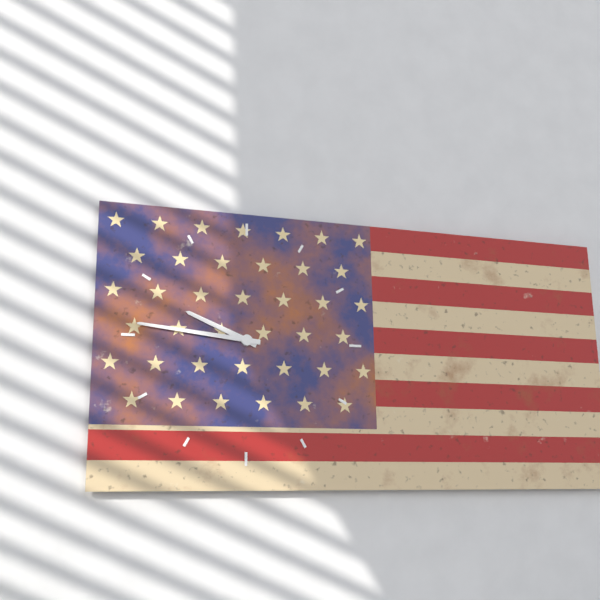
9:46
